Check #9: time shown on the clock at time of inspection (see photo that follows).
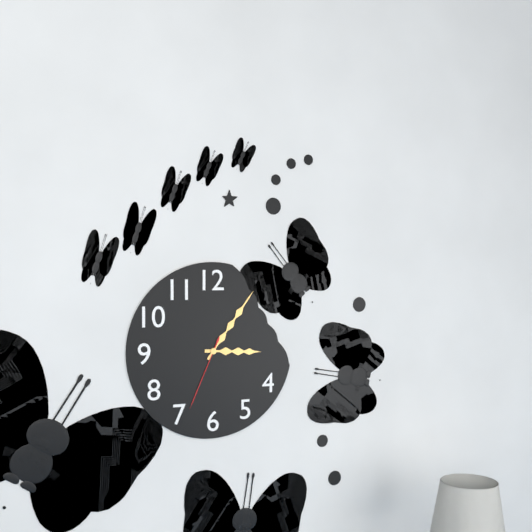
3:06:34
